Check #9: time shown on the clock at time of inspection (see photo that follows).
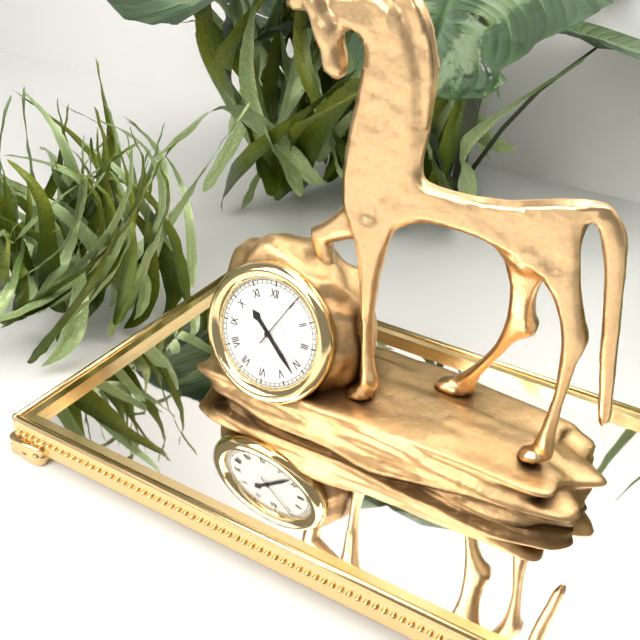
10:22:05
